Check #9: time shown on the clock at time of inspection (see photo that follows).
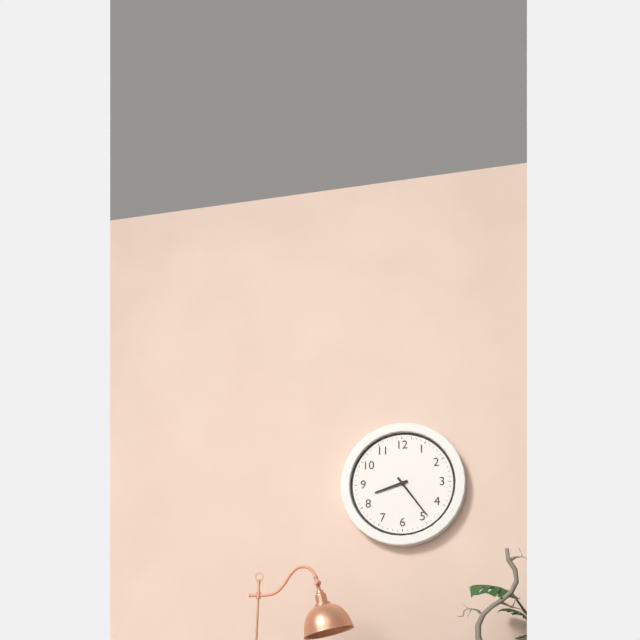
8:24
